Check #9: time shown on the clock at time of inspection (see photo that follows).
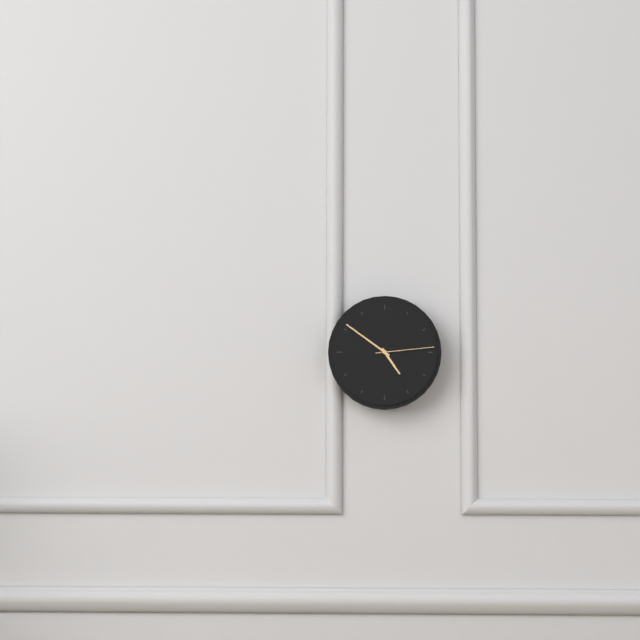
4:51:14
